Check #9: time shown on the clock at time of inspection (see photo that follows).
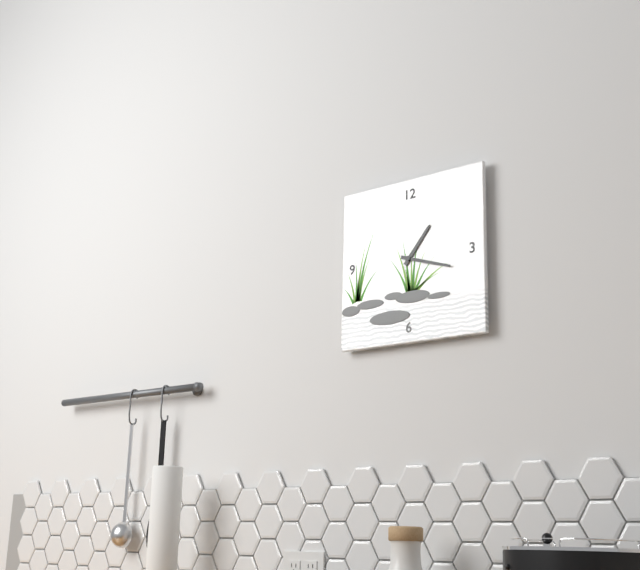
1:18
